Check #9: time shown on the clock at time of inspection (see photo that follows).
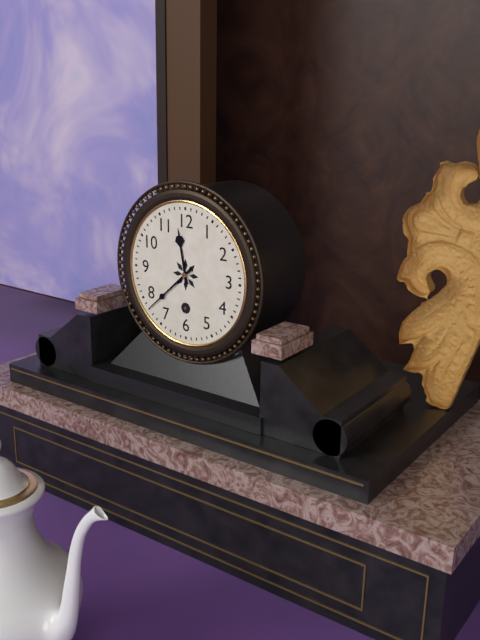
11:38
